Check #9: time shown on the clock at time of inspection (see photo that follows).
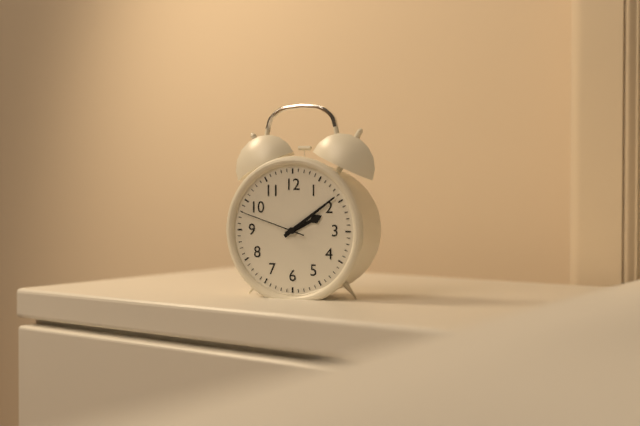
2:09:48
